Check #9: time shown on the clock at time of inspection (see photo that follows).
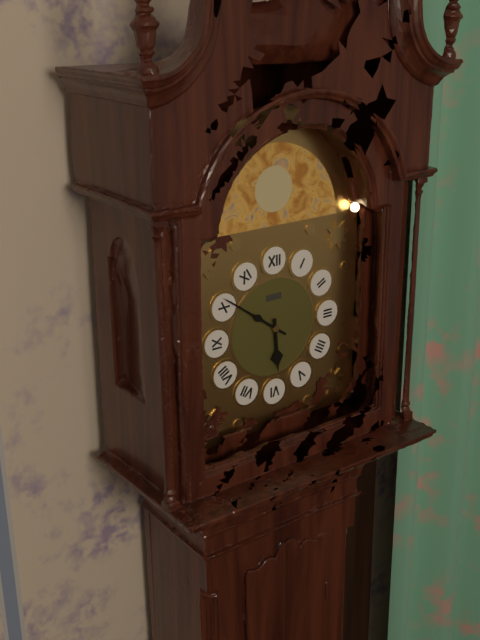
5:51
